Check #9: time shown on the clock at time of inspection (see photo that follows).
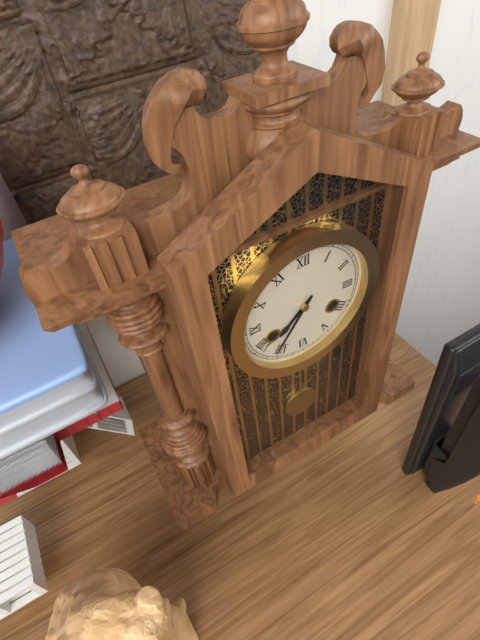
7:36
